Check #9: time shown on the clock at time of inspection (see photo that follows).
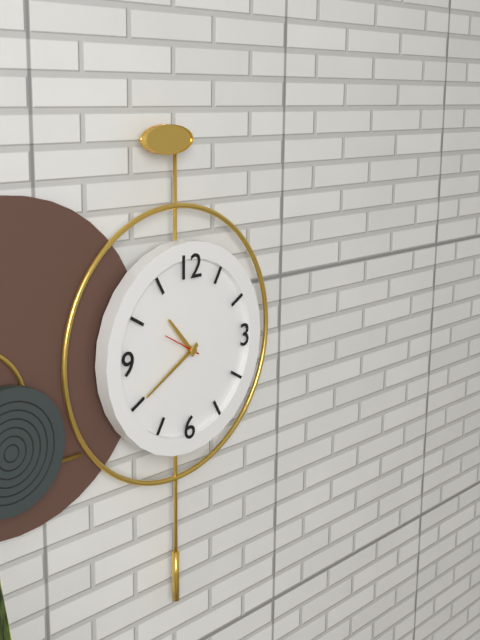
10:40
